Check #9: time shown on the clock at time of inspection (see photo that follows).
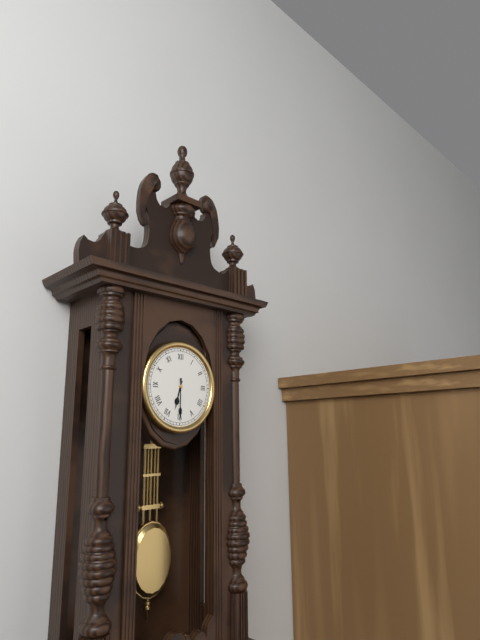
6:30
